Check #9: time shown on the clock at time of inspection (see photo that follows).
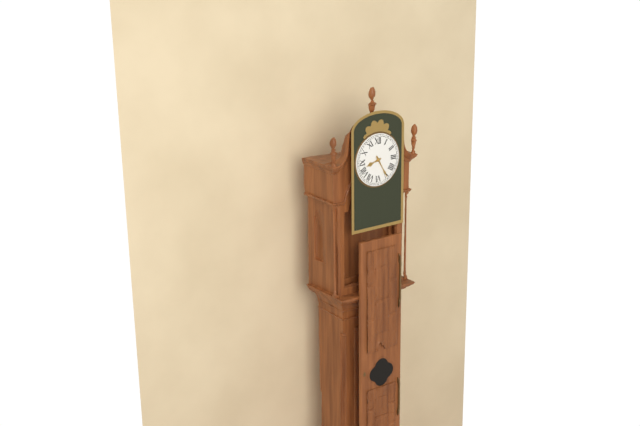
8:25
